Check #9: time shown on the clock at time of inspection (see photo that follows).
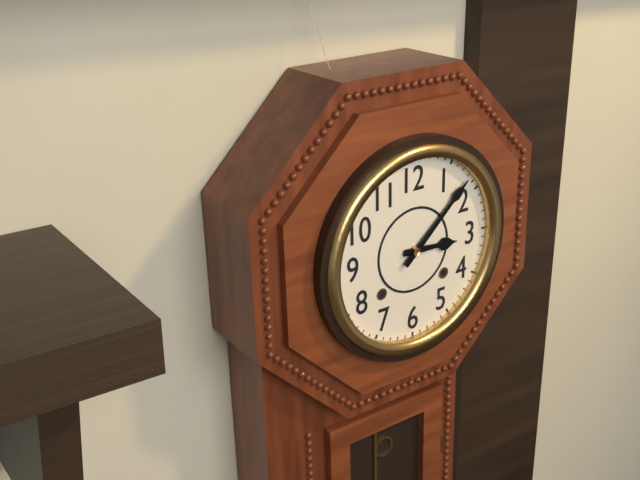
3:08
